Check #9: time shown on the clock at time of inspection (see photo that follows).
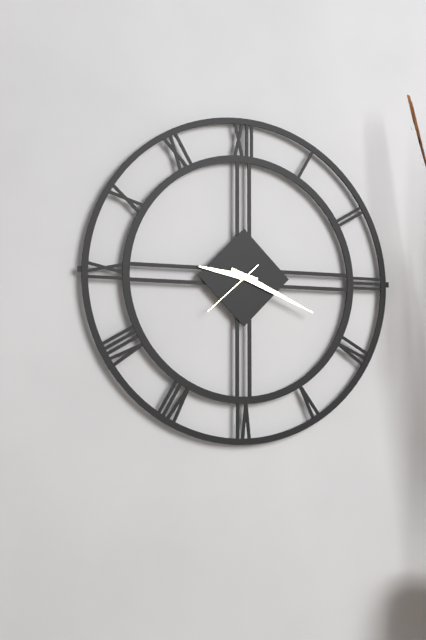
9:19:38
